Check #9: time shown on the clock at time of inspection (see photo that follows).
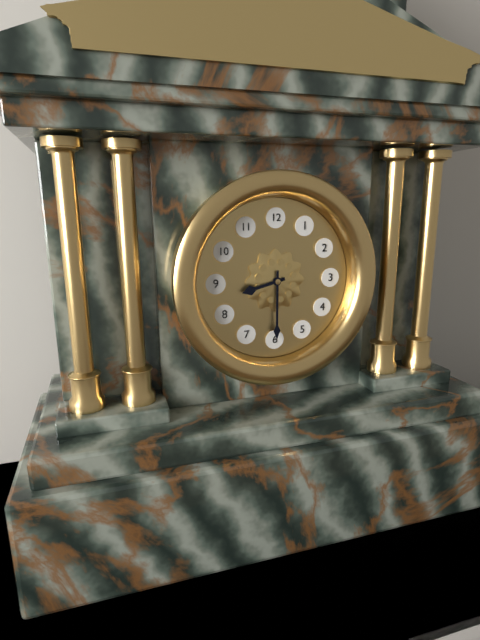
8:30
